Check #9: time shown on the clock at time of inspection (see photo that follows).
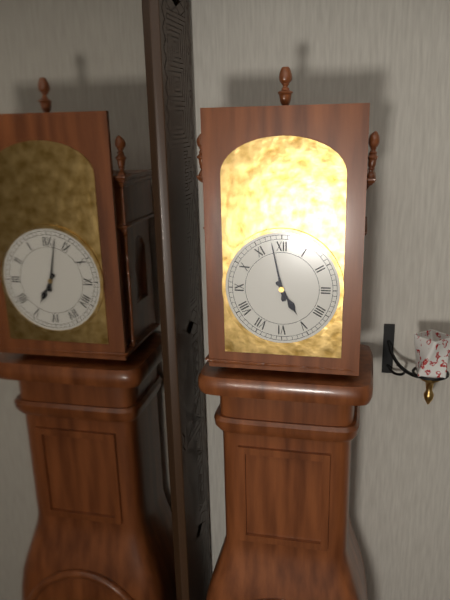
4:58
